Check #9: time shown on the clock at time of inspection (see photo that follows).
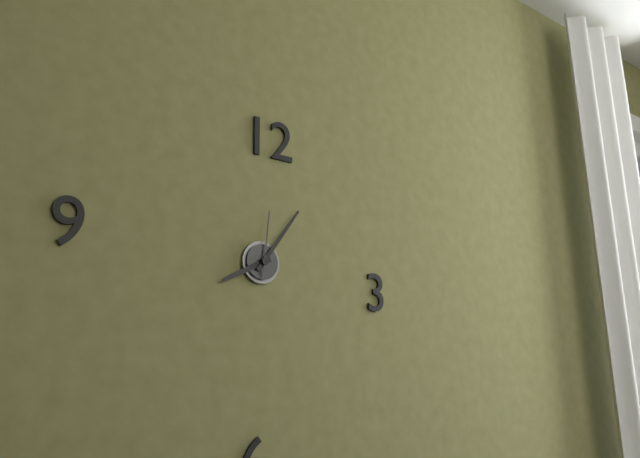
8:06:01
